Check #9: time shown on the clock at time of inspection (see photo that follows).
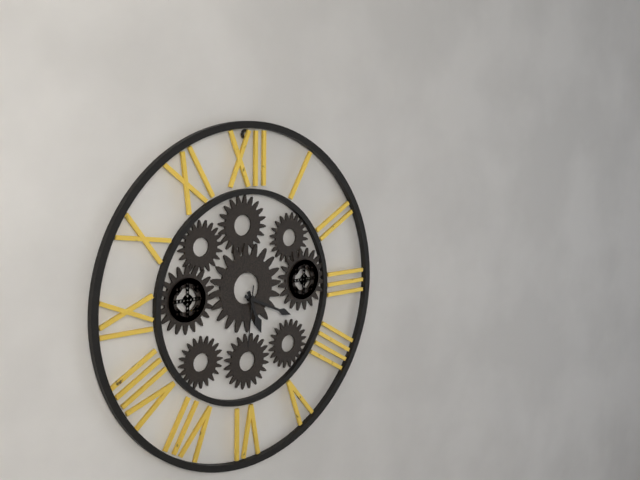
5:19:31
